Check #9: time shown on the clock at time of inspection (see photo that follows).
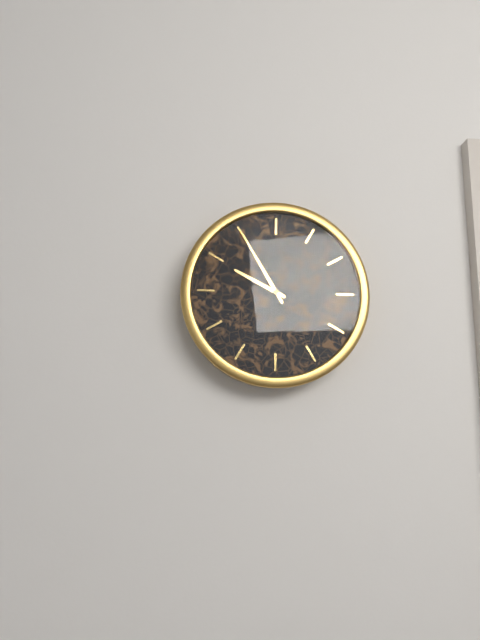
9:55
